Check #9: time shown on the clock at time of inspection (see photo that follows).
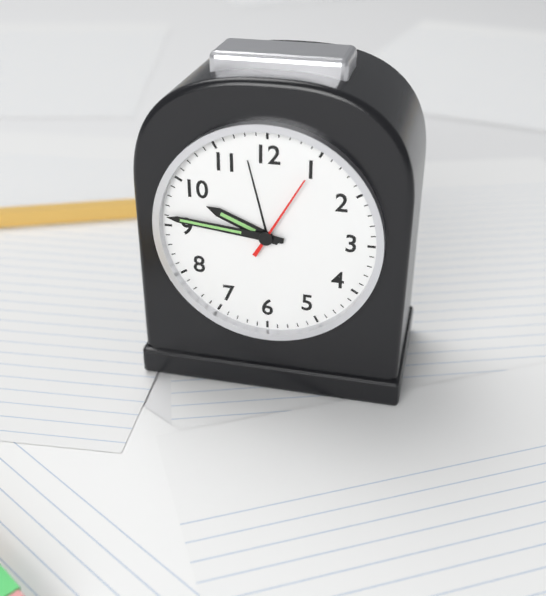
9:46:05
